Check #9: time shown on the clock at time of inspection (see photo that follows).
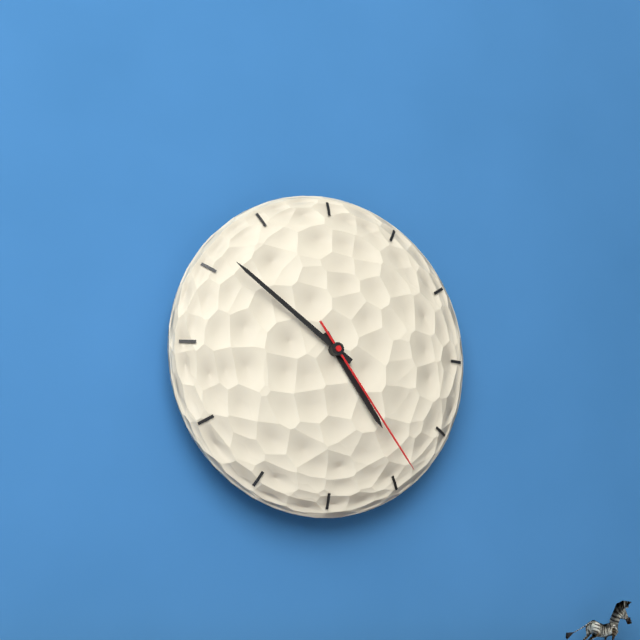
4:51:24
